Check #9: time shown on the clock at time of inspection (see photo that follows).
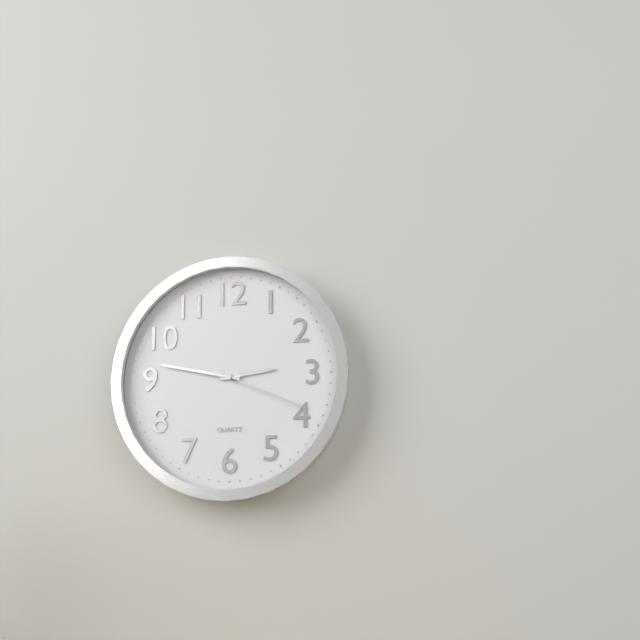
2:47:19
